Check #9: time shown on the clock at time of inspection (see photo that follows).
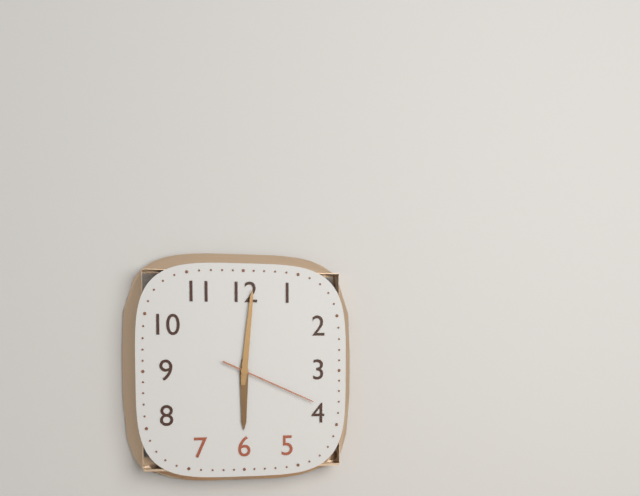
6:01:19
